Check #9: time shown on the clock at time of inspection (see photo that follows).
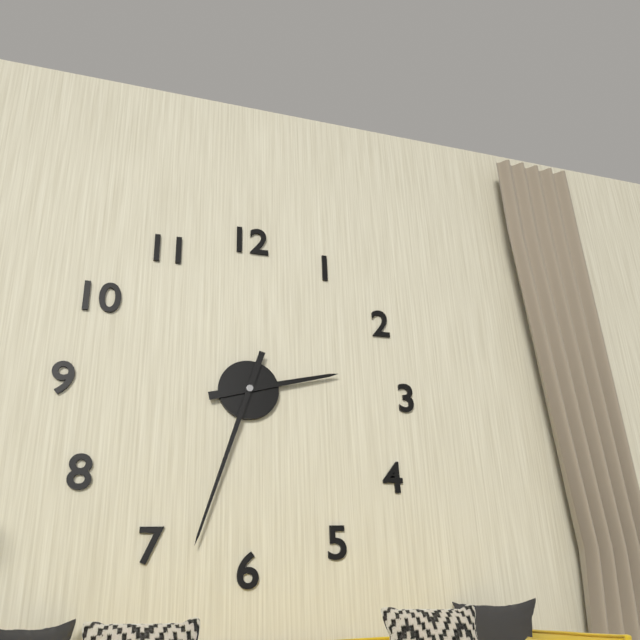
2:33
